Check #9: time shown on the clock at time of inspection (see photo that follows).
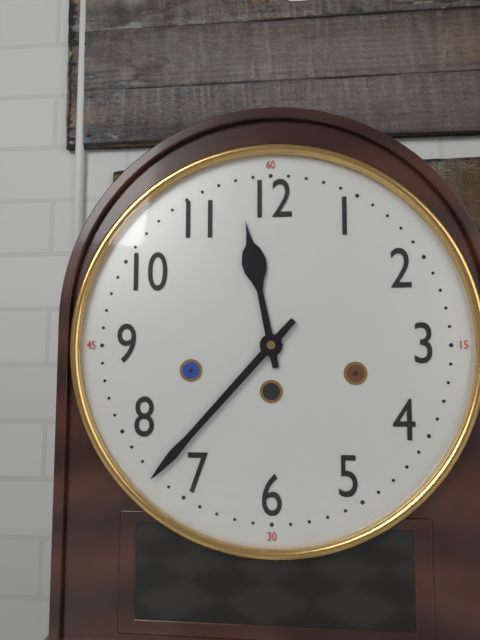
11:37
